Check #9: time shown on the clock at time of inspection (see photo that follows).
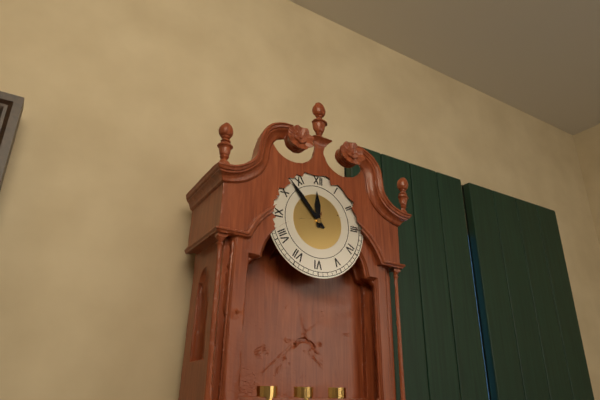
11:53
